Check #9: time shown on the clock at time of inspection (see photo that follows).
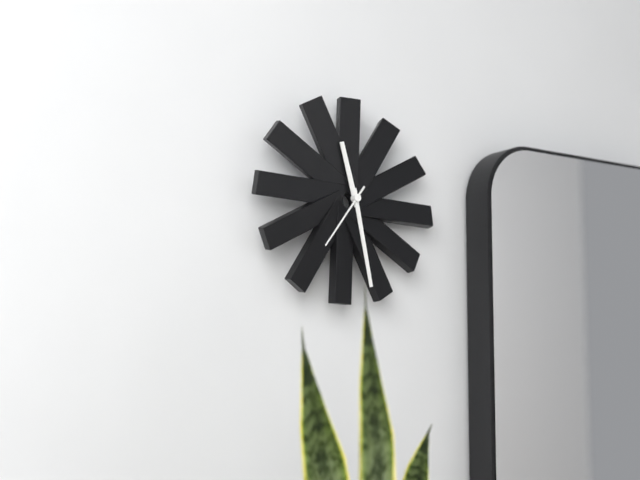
11:28:36
